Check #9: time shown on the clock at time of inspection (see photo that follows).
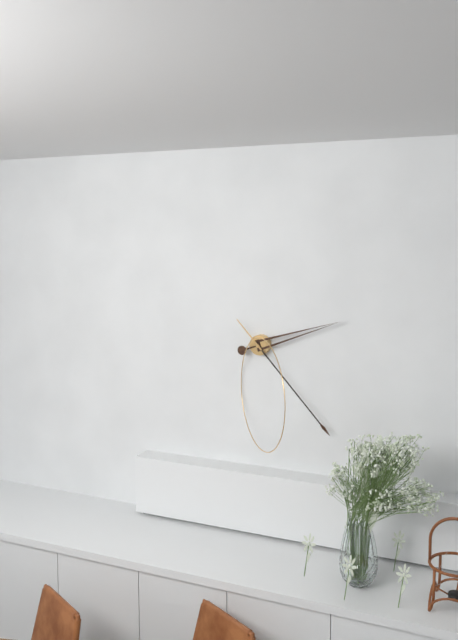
2:23
